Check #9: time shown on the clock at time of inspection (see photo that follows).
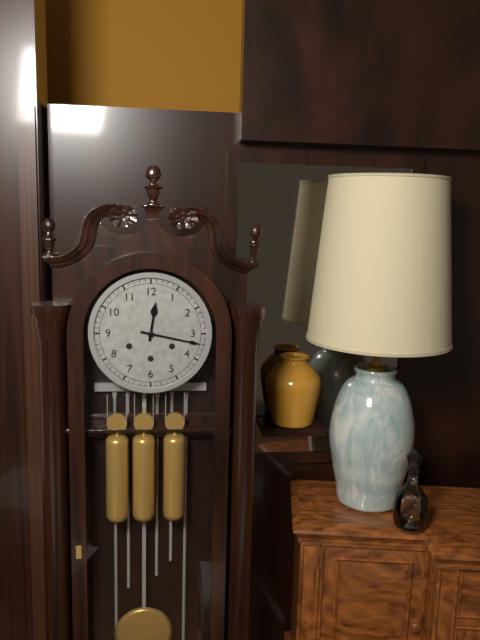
12:17
